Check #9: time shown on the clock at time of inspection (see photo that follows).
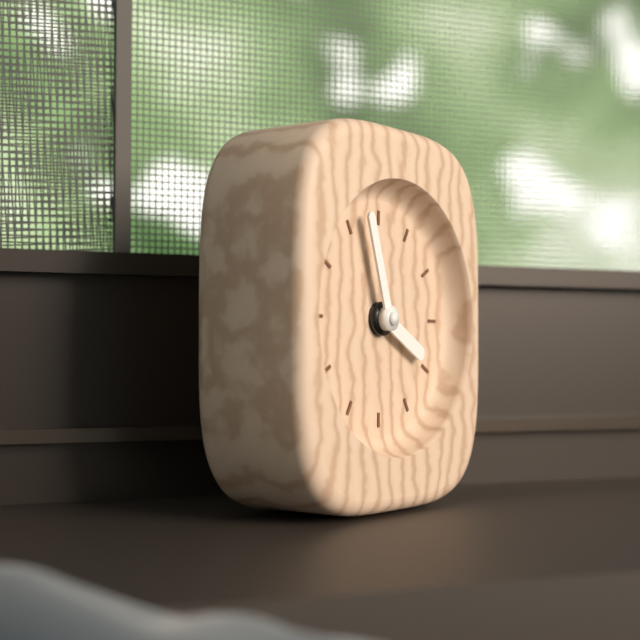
3:57
